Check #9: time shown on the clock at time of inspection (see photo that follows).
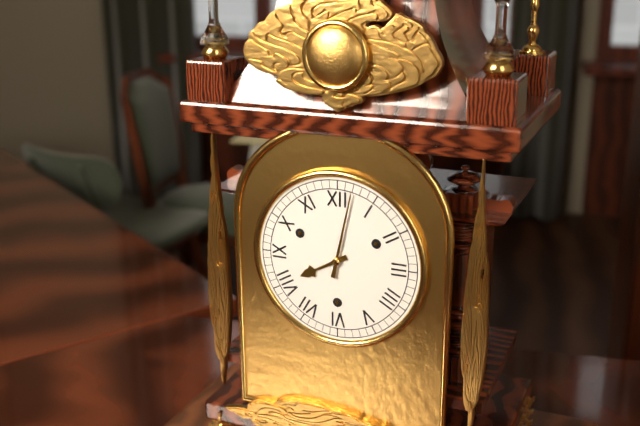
8:02
